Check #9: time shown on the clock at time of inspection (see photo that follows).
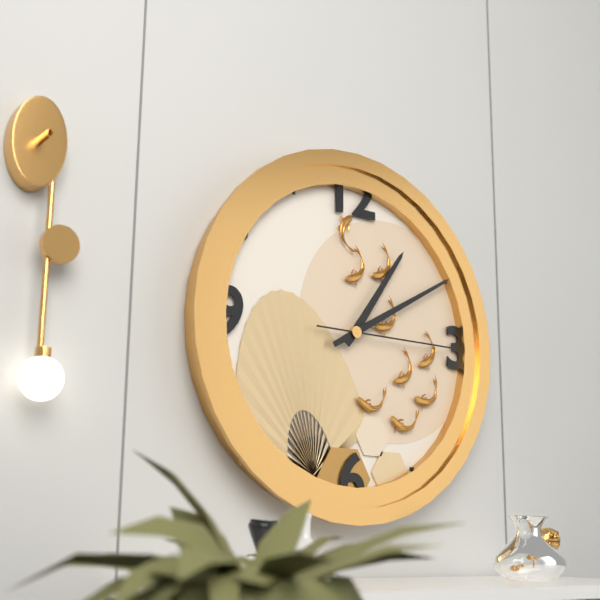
1:10:15
